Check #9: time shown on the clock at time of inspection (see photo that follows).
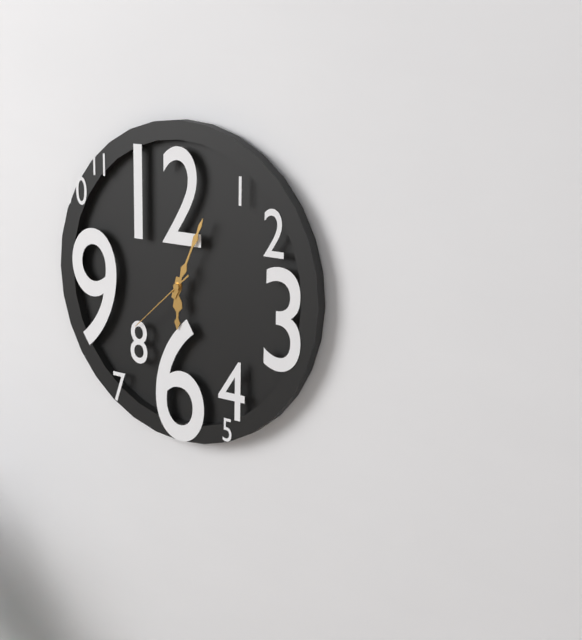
6:04:38
